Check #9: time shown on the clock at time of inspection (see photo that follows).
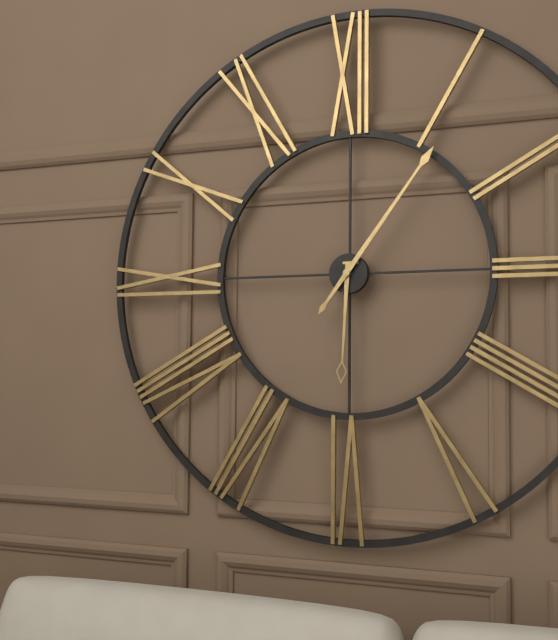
6:06
